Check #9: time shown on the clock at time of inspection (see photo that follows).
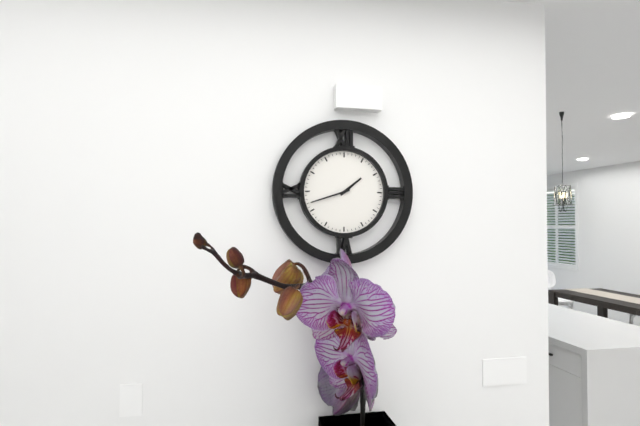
1:42
